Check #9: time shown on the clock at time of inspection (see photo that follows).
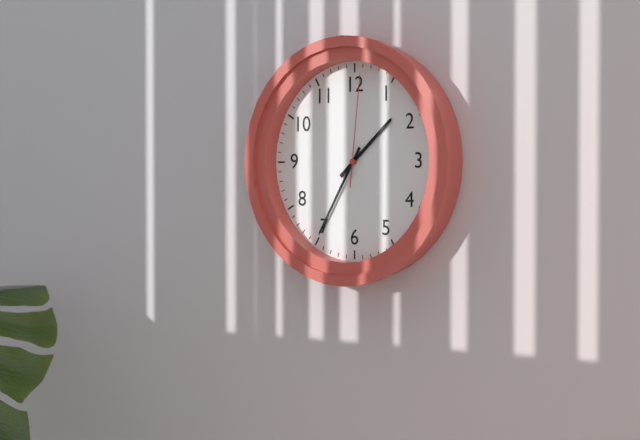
1:35:01
